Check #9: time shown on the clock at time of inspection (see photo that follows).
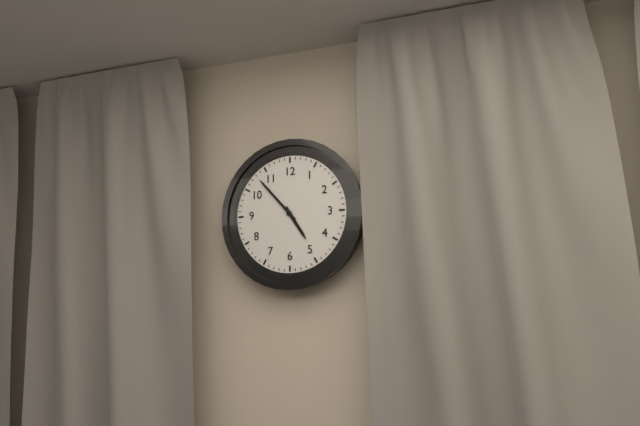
4:53
